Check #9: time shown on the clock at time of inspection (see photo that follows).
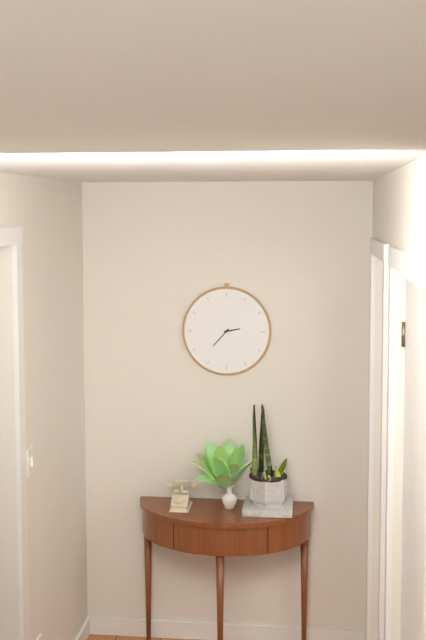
2:37
